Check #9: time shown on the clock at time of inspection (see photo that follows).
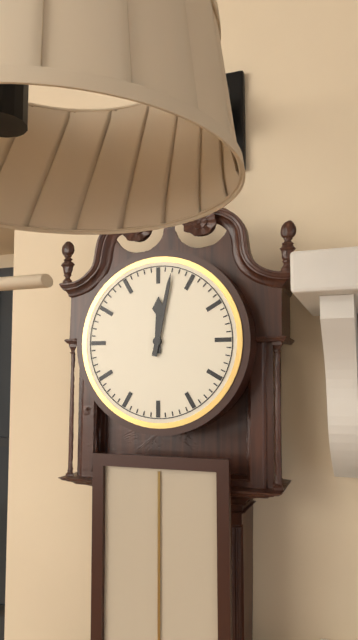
12:02
